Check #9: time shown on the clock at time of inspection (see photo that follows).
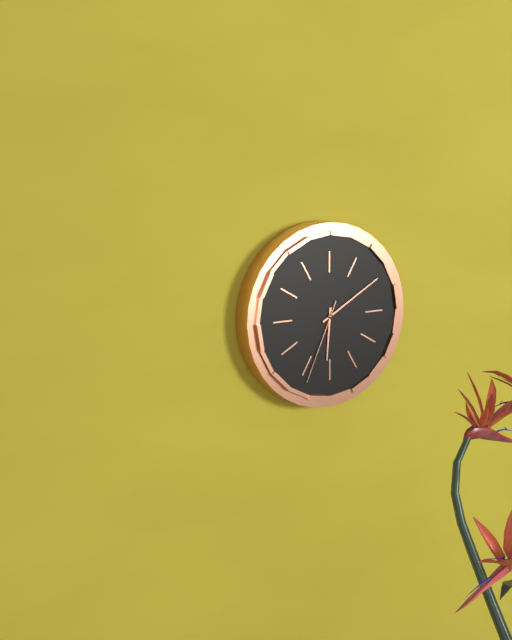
6:10:34
